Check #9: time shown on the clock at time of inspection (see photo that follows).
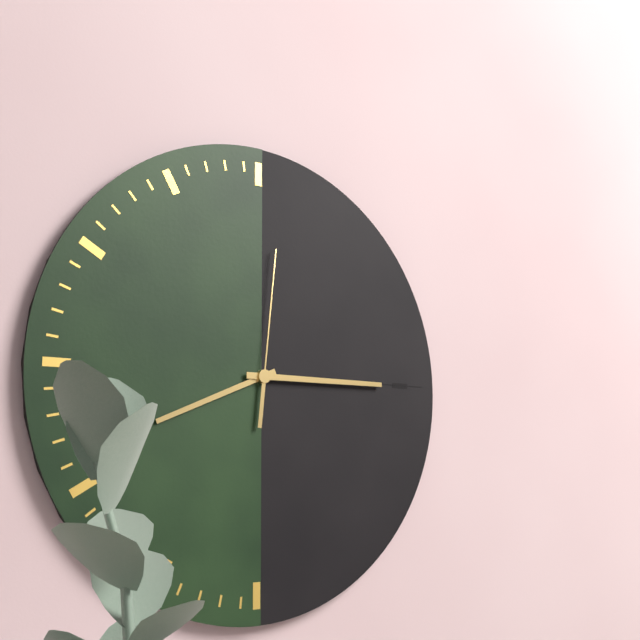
8:15:01
